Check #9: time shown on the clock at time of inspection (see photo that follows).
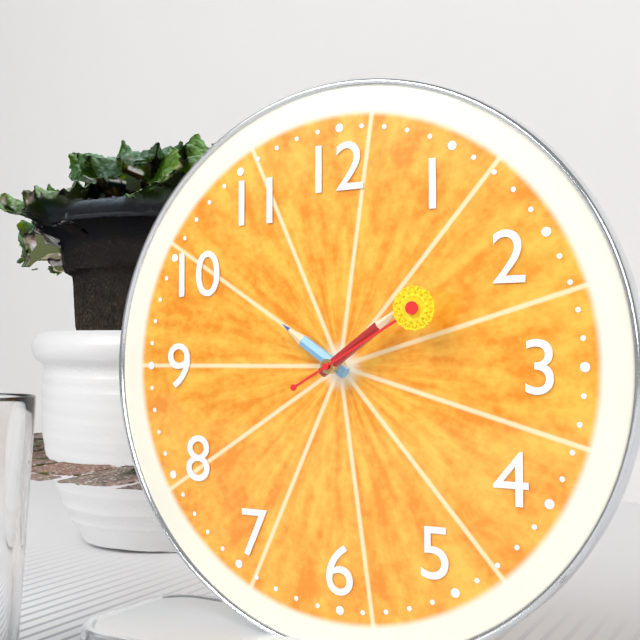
10:09:10
